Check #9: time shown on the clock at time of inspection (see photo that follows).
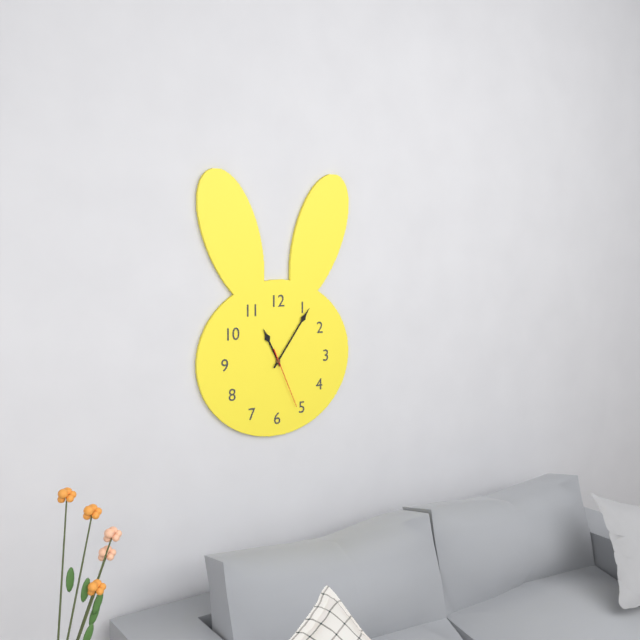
11:06:26
